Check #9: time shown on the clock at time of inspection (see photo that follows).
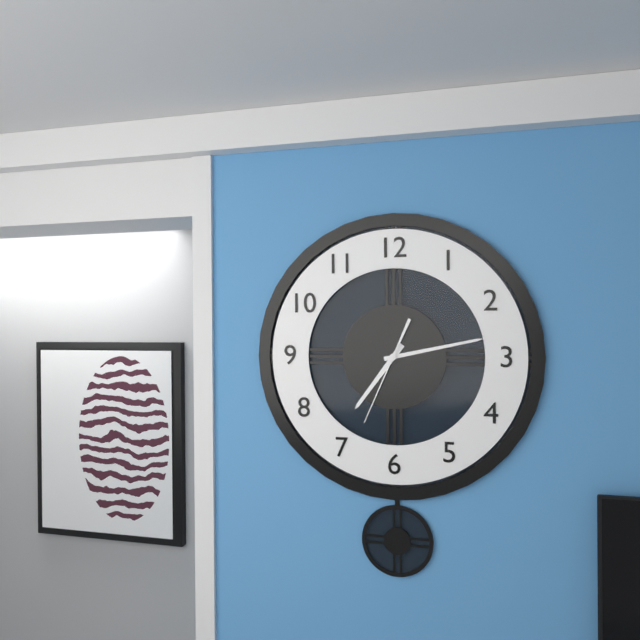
7:13:34
